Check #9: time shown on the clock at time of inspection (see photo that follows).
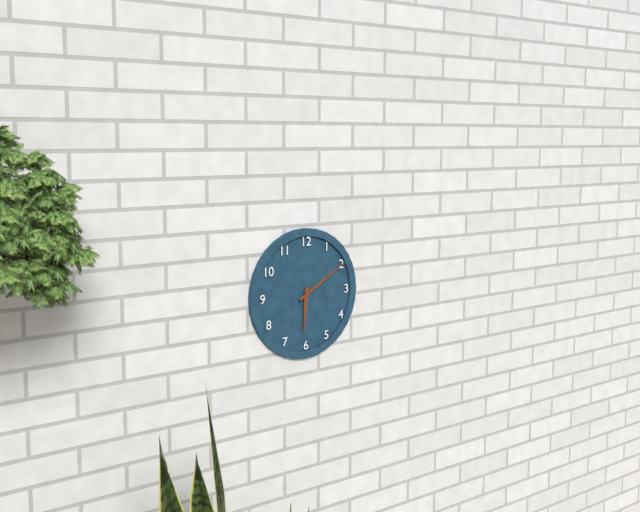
6:10
